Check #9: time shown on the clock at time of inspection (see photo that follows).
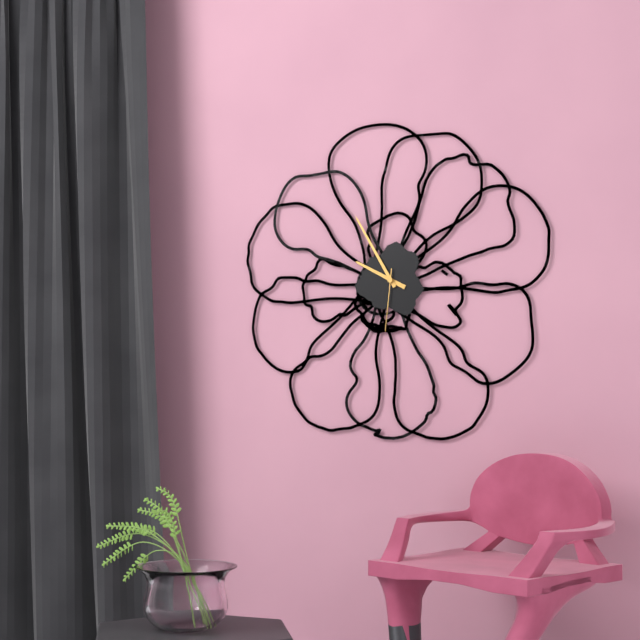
9:55:31
